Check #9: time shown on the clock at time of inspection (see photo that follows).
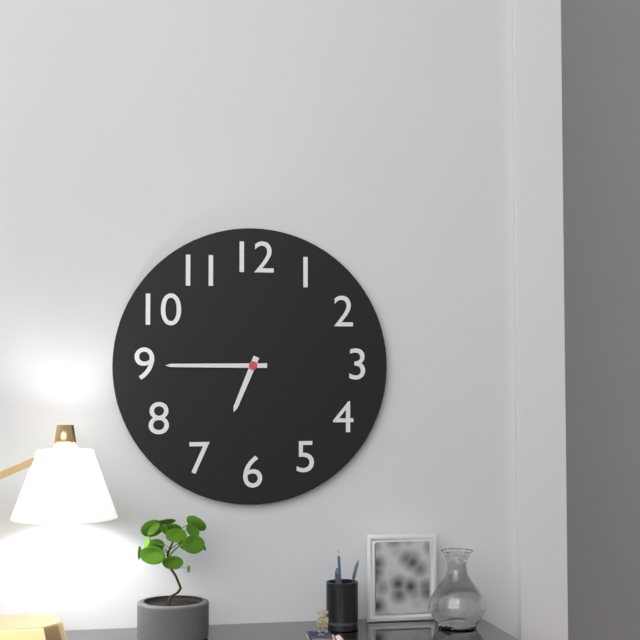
6:45
